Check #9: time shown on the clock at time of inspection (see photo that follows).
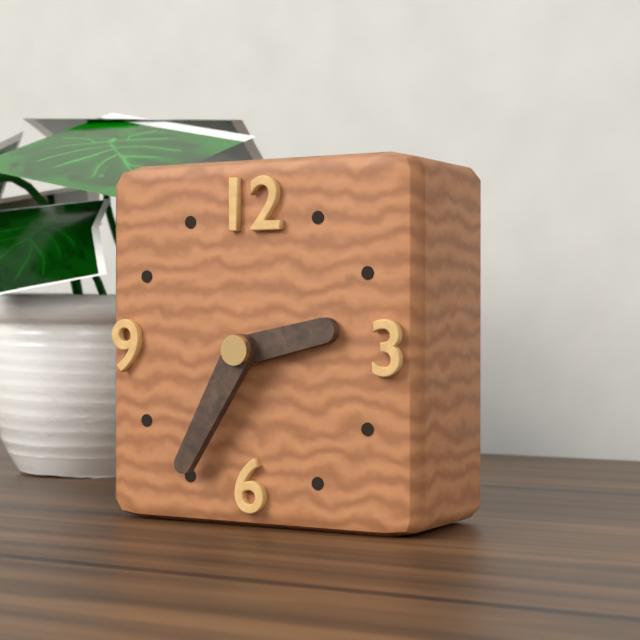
2:35
